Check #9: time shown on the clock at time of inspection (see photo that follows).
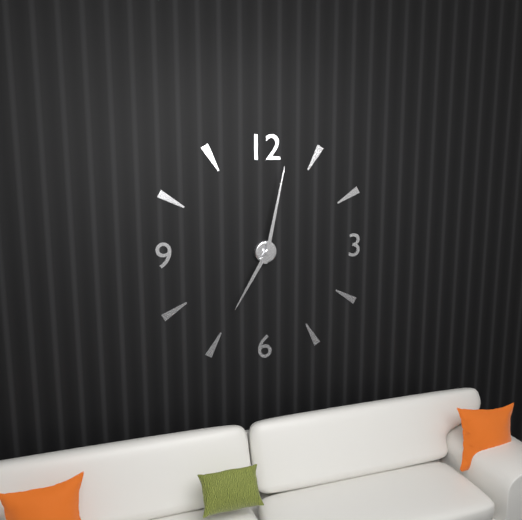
7:02
